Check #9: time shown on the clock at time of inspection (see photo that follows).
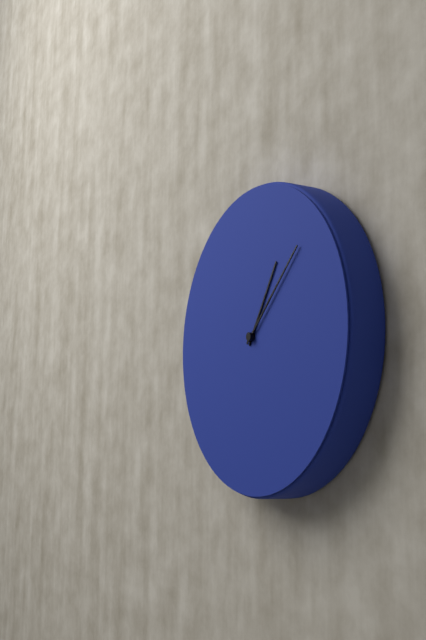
1:08
